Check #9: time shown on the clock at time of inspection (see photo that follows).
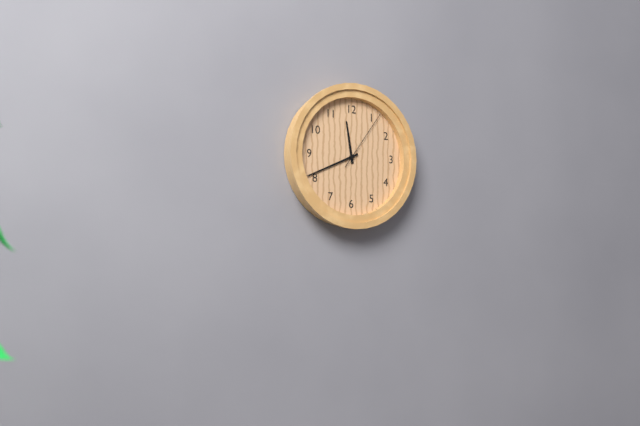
11:41:06
